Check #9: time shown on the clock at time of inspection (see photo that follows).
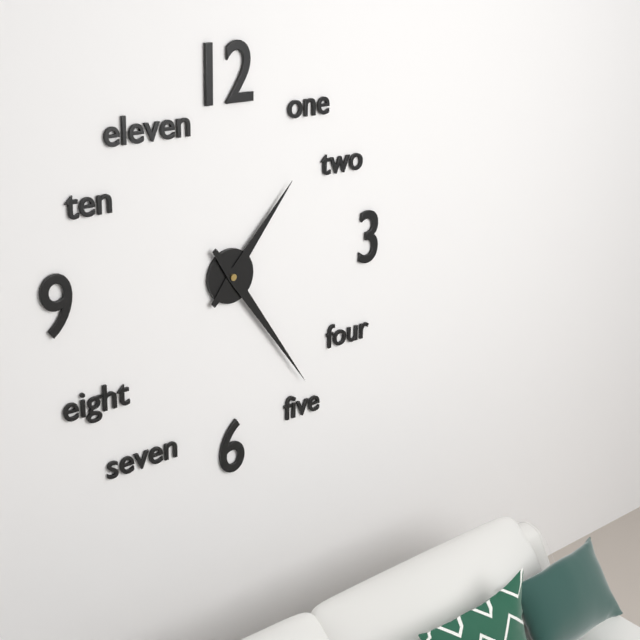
1:24
